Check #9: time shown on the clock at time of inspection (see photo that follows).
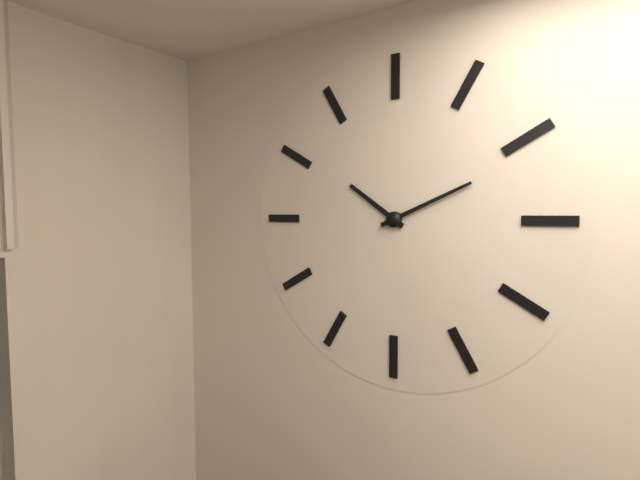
10:11
